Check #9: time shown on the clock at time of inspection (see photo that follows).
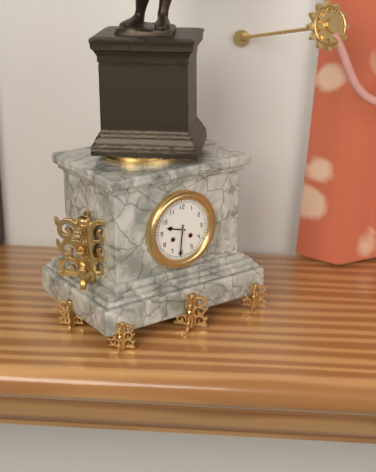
9:31
